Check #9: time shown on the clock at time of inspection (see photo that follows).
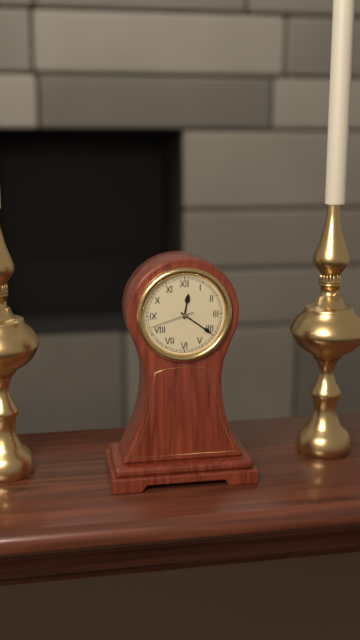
12:21
